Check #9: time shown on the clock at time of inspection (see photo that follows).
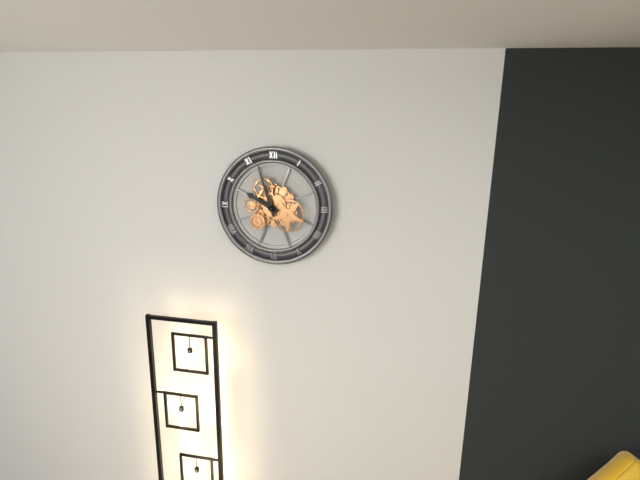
9:57
